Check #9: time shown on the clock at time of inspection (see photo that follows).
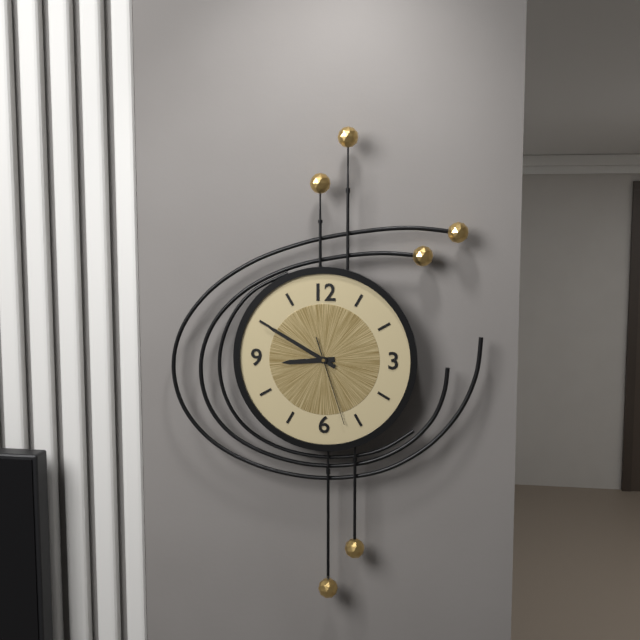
8:50:27
